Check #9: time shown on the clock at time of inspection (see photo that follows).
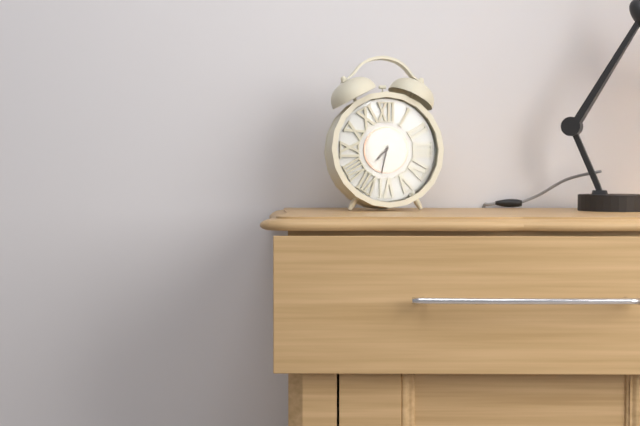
7:32
